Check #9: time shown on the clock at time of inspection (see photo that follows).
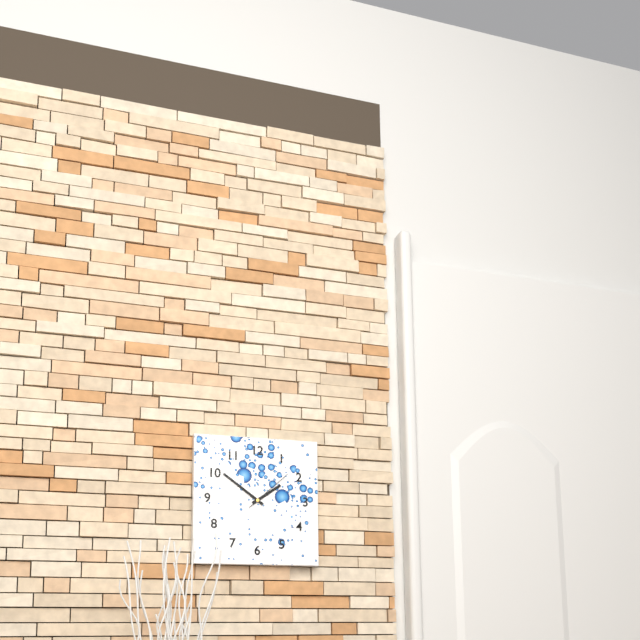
1:51:08
